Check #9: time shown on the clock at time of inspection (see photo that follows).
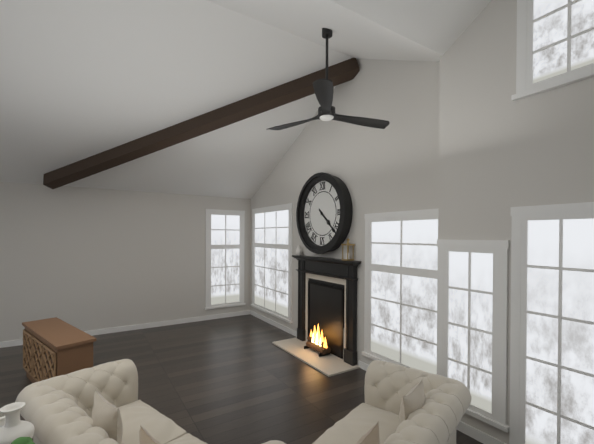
4:22
